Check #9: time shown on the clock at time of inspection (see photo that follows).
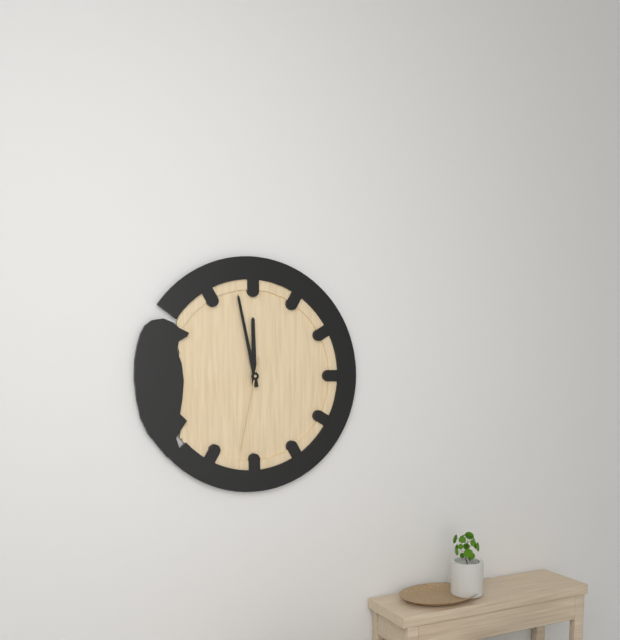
11:58:32
